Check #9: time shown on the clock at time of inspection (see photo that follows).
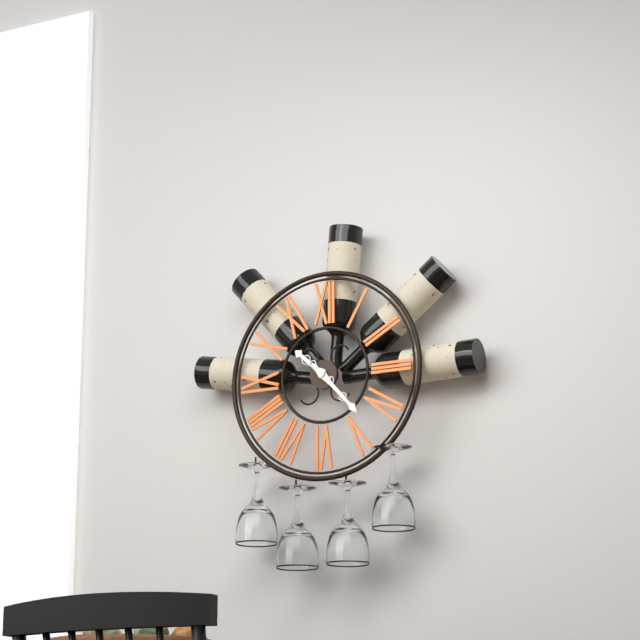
10:23
